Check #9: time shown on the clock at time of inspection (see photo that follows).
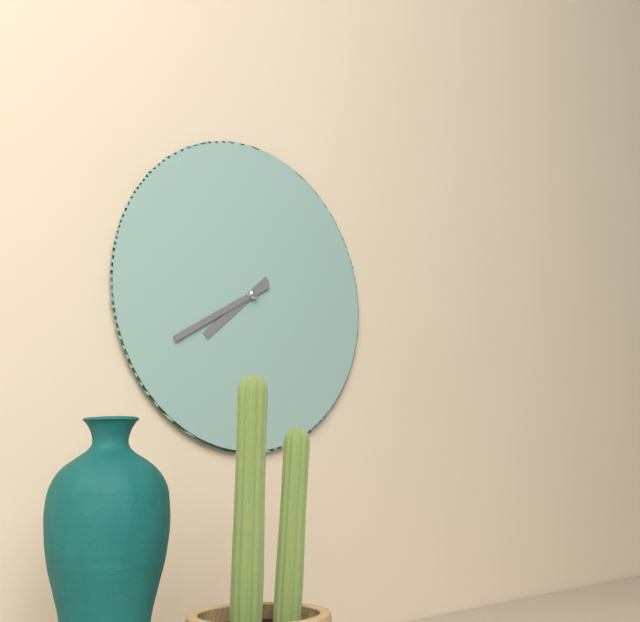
7:40
